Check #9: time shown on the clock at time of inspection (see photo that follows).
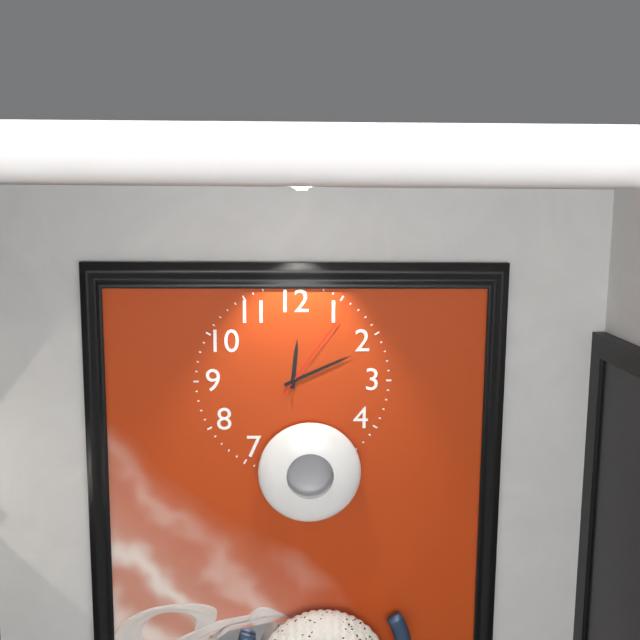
12:11:06
